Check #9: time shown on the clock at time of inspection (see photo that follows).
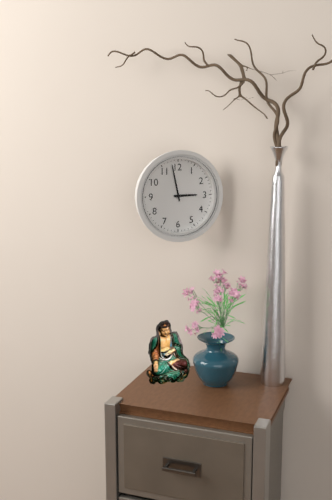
2:58
